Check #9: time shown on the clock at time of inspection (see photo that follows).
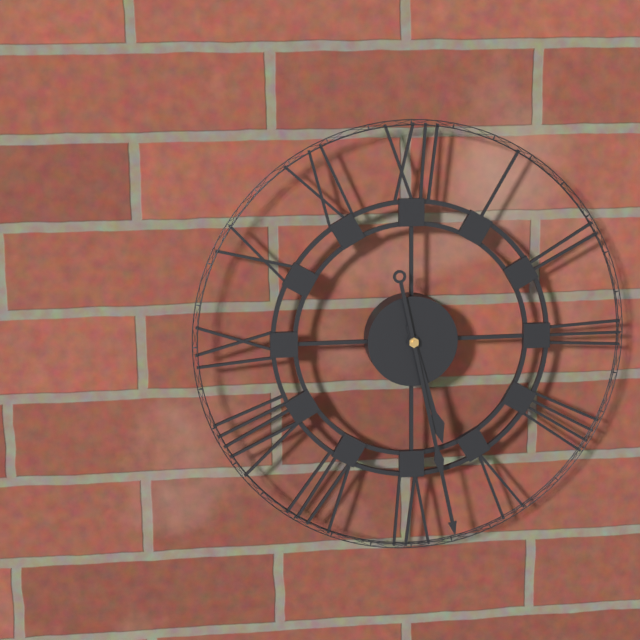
5:28
